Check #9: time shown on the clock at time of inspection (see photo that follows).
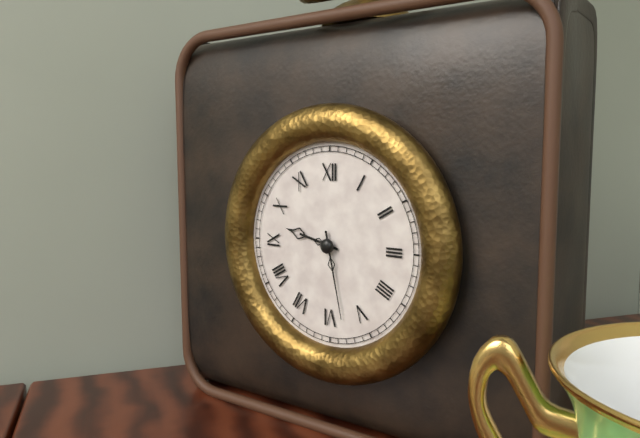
9:28
